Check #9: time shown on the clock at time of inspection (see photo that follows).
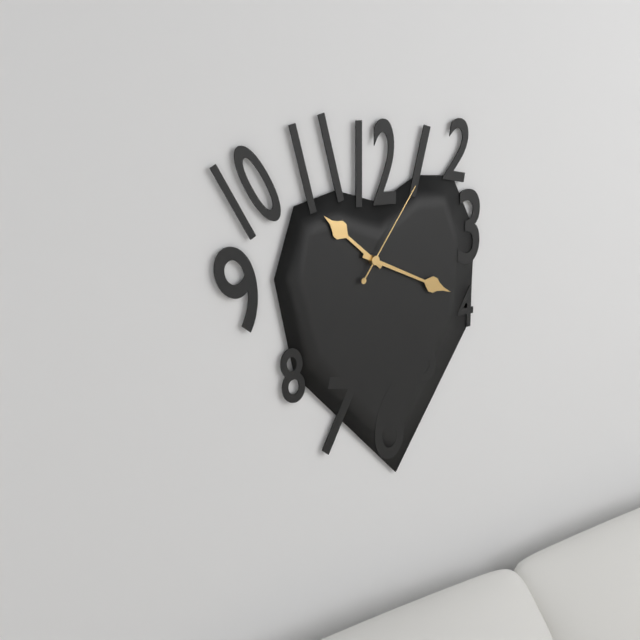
10:19:06
